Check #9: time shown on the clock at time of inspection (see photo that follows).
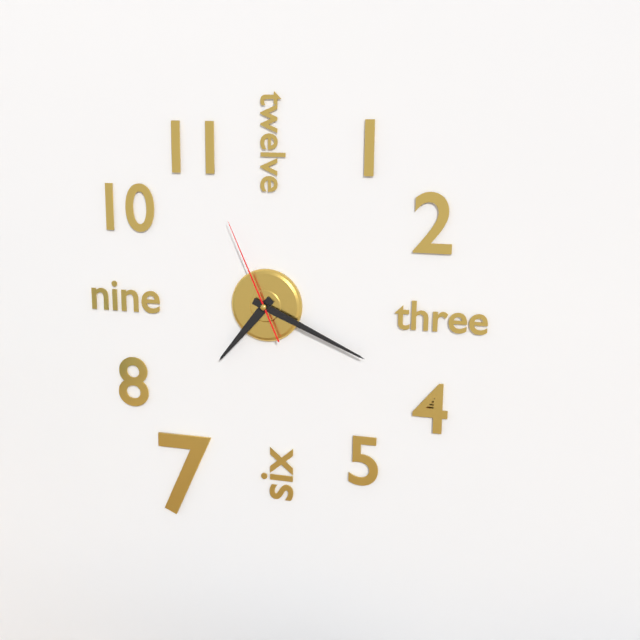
7:19:56
